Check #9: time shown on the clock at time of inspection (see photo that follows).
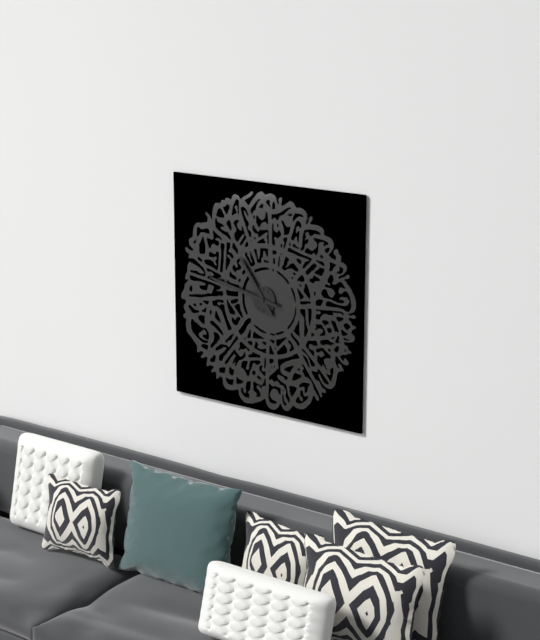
10:47
